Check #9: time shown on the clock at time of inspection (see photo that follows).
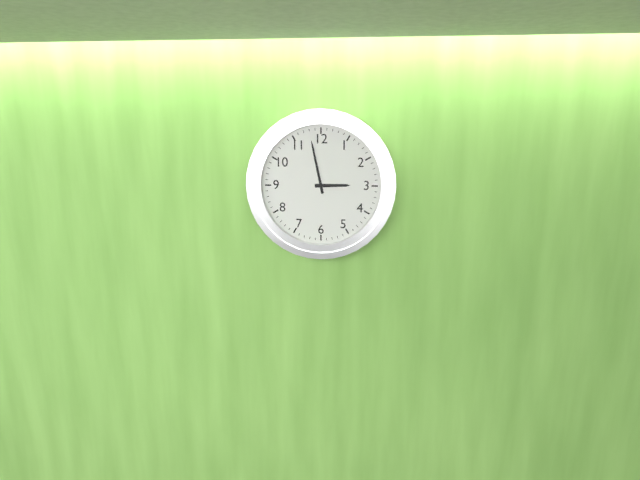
2:58
